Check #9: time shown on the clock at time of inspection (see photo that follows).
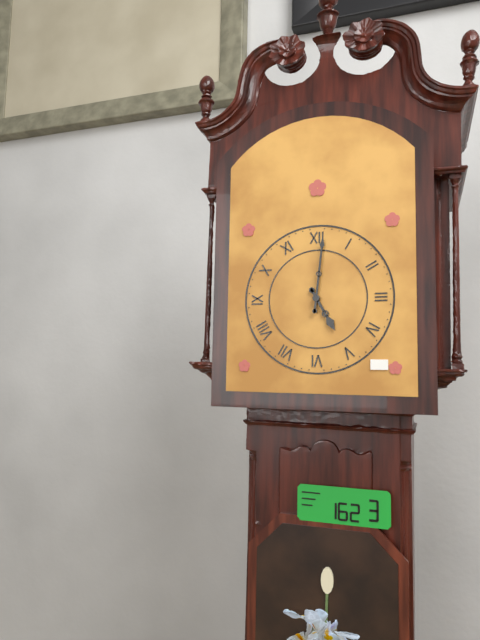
5:01
